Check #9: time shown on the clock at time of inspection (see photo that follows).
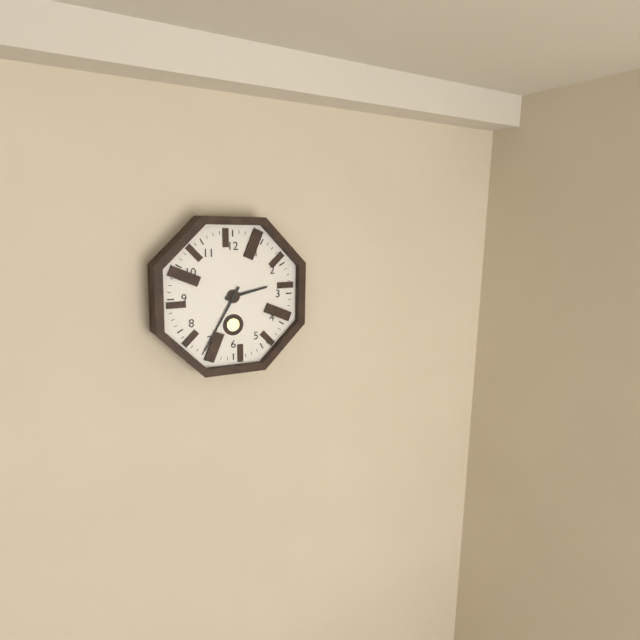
2:35
